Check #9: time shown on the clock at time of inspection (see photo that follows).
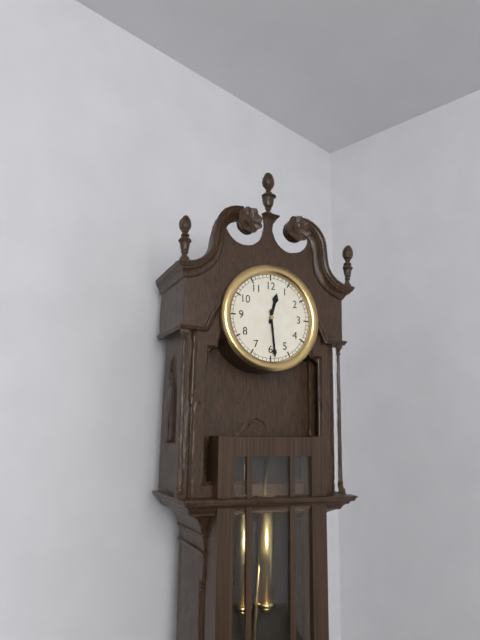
12:29
